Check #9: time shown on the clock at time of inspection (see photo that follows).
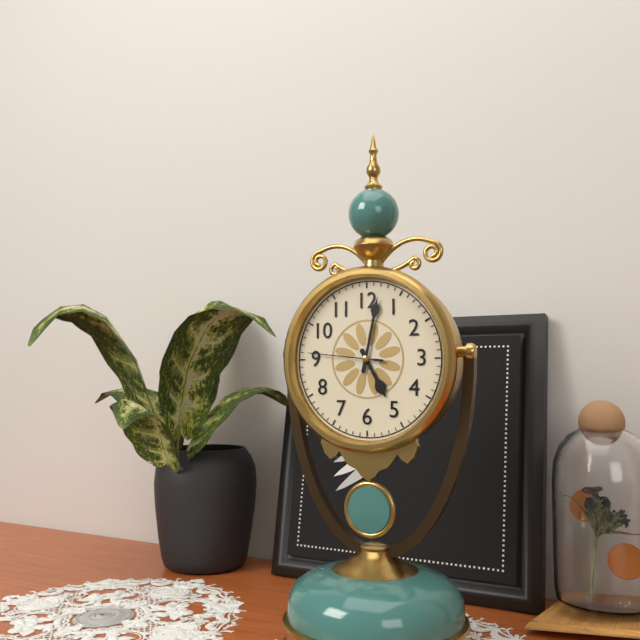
5:02:46
